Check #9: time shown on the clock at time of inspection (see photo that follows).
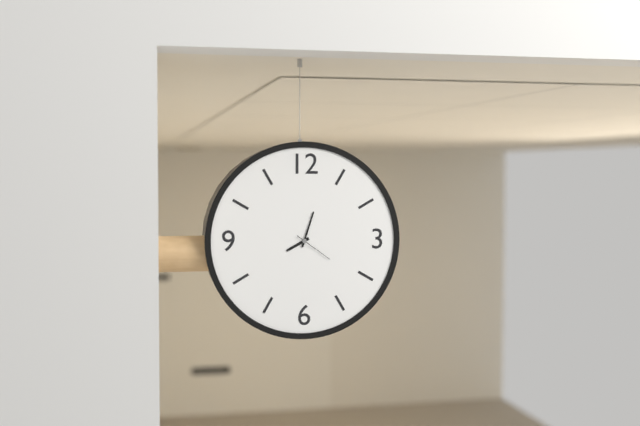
8:03
